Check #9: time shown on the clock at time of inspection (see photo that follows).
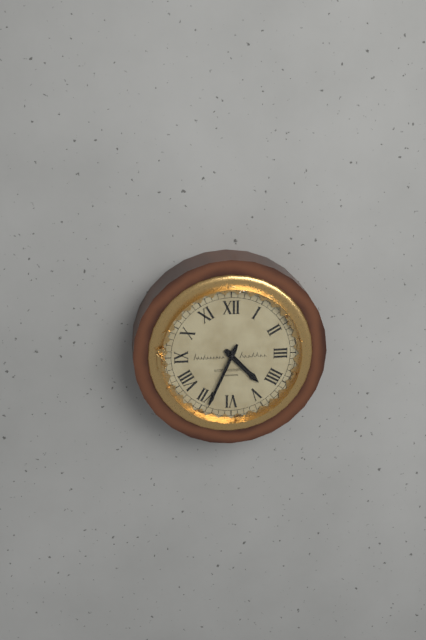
4:34
